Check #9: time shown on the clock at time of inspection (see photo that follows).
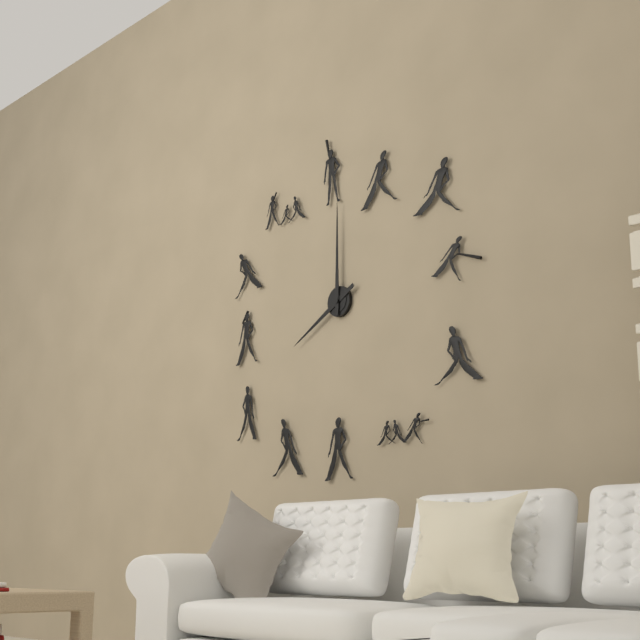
8:00
